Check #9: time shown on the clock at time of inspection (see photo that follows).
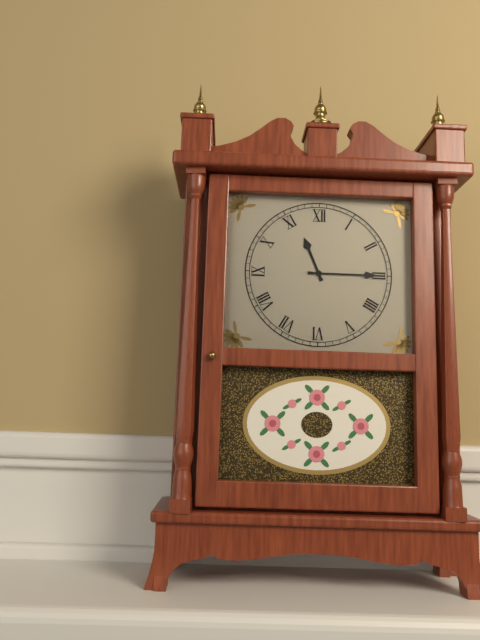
11:15
